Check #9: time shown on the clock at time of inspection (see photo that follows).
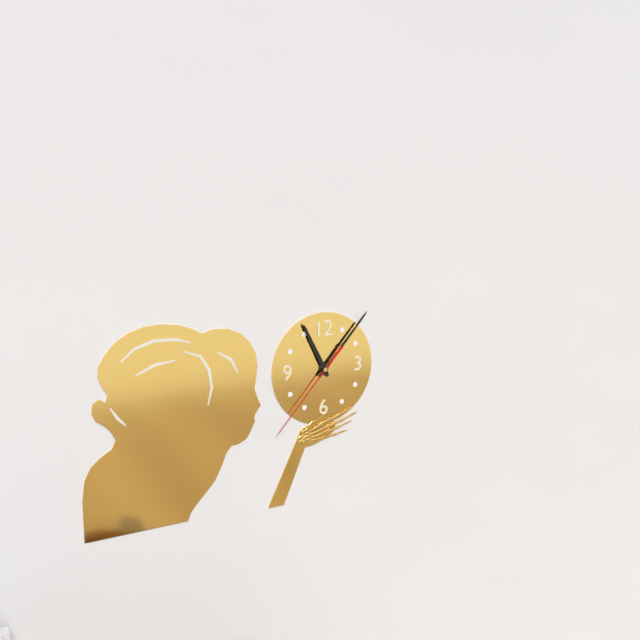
11:07:37
